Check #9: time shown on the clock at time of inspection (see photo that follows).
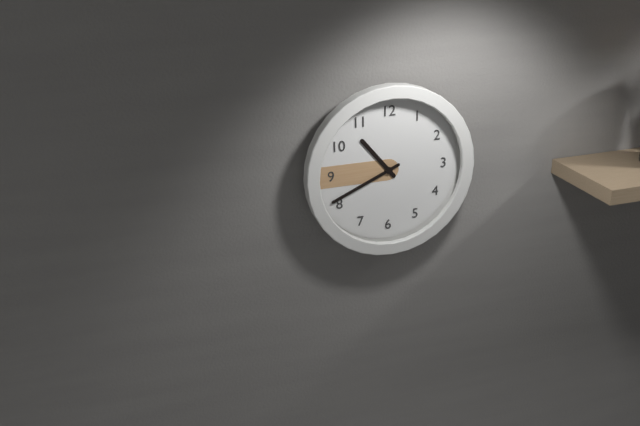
10:41
